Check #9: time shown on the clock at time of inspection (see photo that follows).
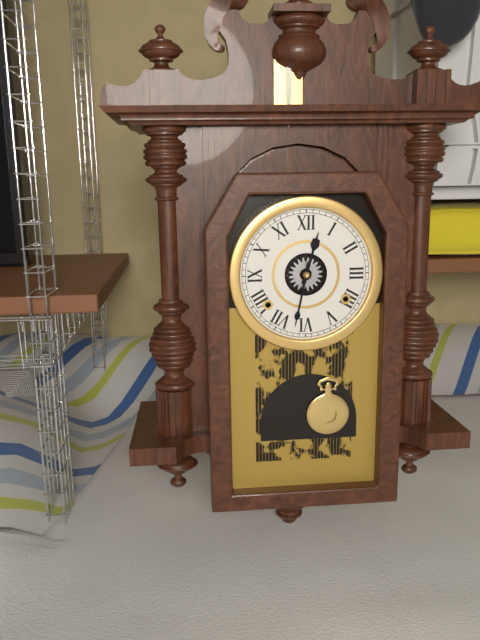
12:32
